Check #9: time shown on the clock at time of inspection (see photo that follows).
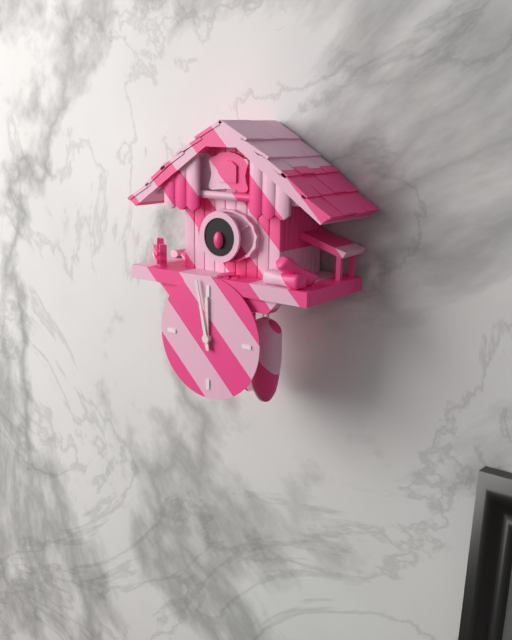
11:58
